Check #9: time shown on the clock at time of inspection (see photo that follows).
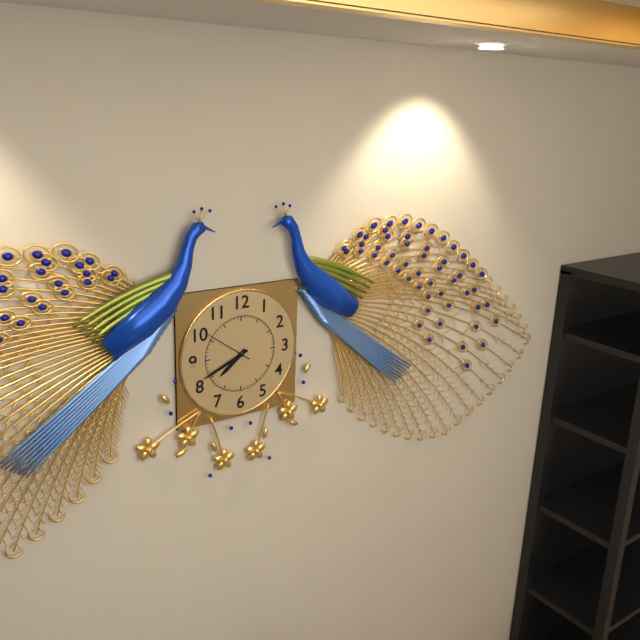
7:41
